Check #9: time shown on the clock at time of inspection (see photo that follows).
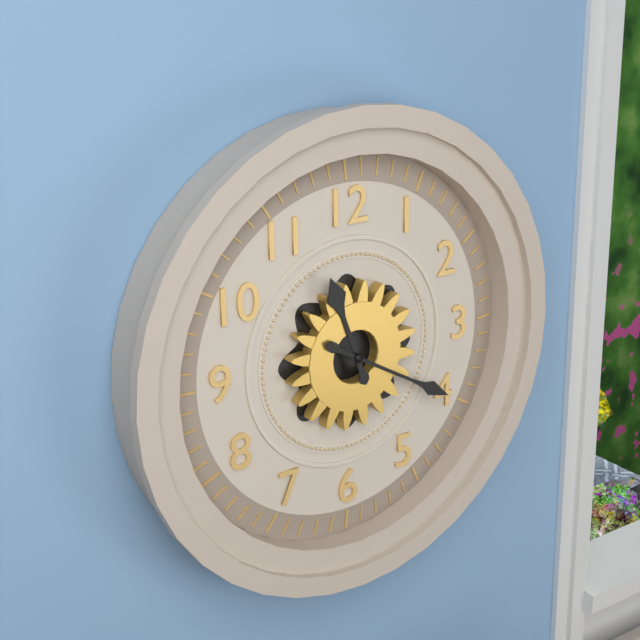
11:20
